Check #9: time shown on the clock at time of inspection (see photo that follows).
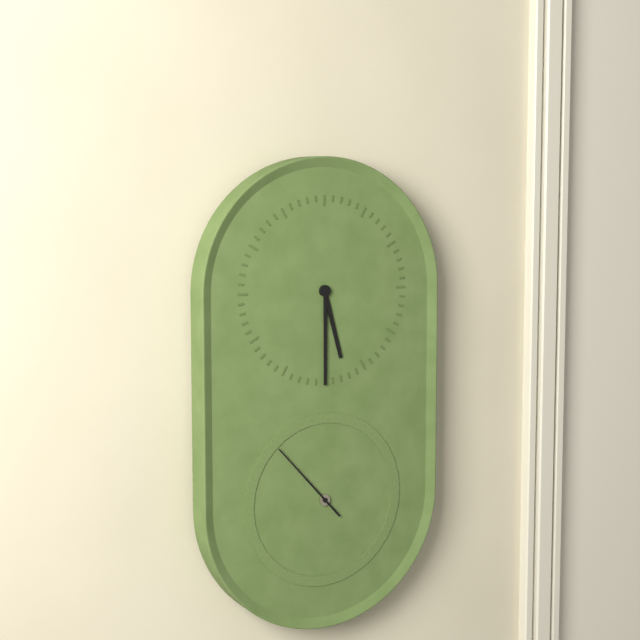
5:30:53
